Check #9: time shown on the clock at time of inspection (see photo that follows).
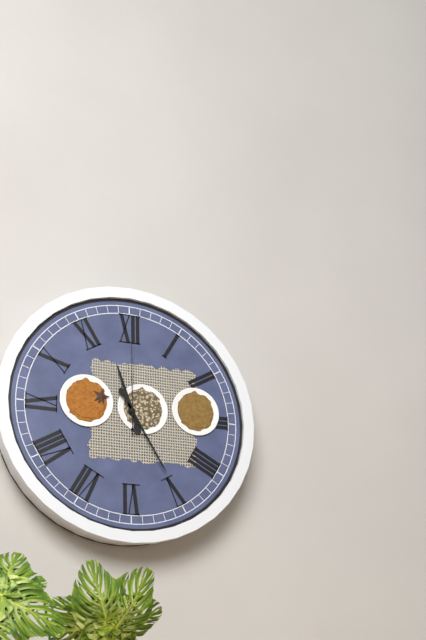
11:25:00
